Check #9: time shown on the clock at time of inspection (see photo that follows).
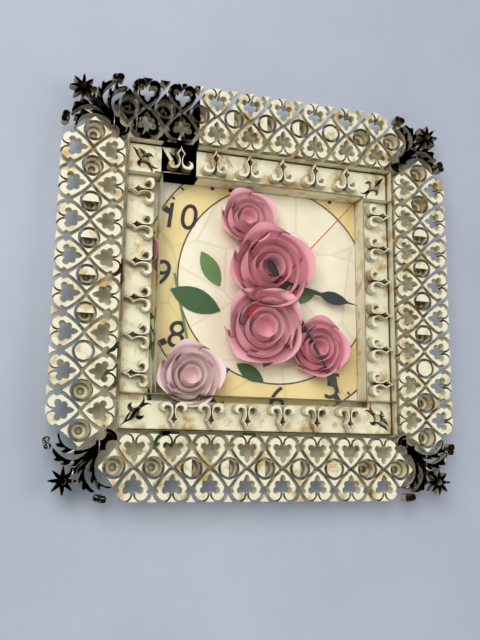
3:25:07
